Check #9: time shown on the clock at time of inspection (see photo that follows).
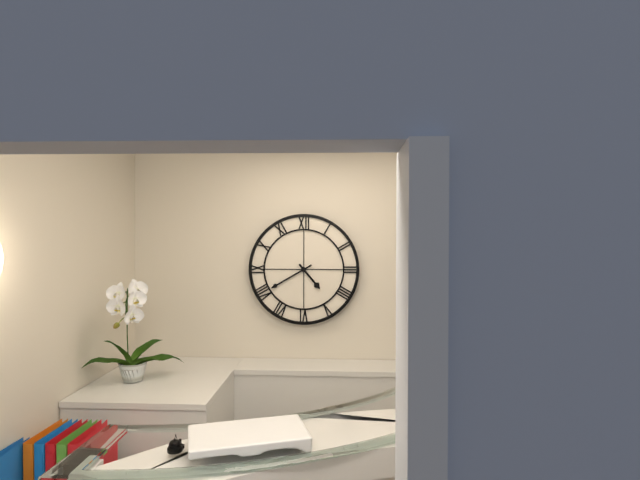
4:40
